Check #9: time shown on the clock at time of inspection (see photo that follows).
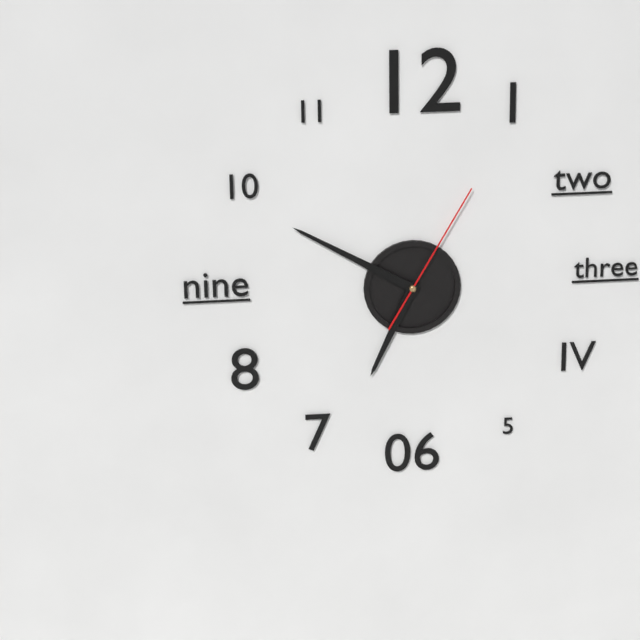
6:50:05
